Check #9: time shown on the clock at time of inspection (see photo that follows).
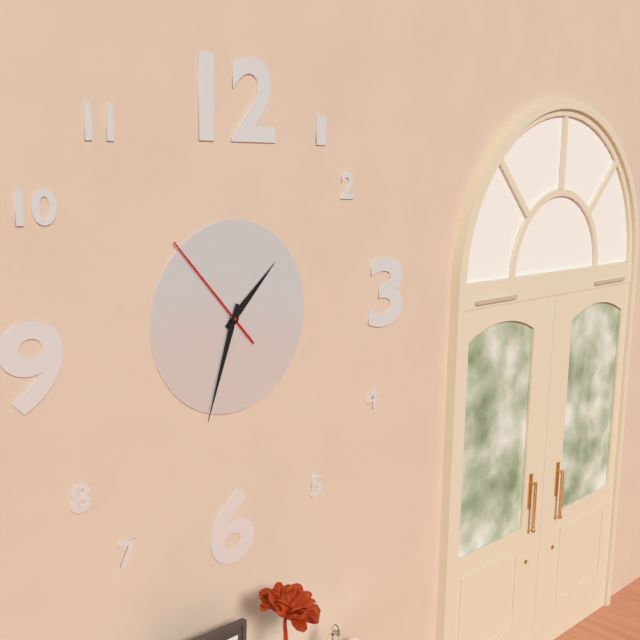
1:33:53
